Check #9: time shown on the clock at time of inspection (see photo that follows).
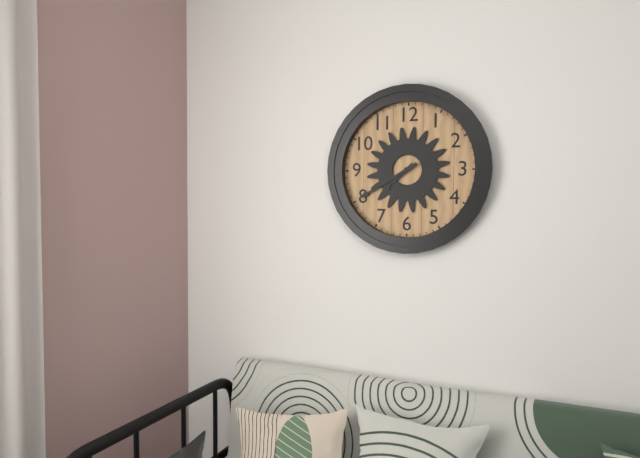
7:40
